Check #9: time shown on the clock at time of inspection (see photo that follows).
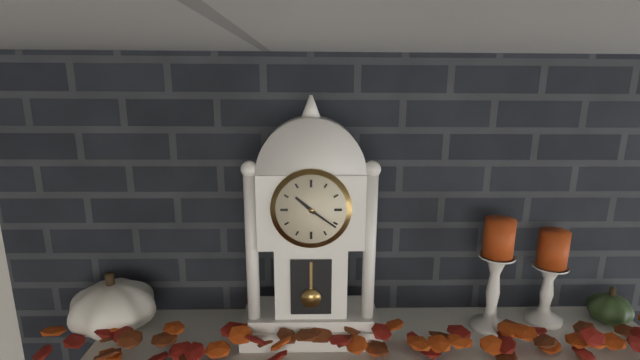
10:21
